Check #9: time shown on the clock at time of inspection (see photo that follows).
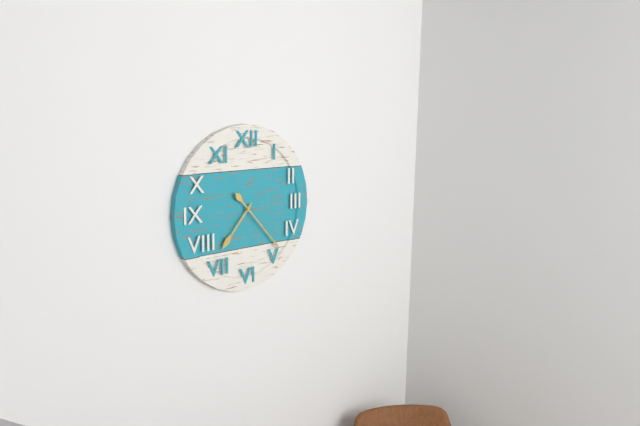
7:23
